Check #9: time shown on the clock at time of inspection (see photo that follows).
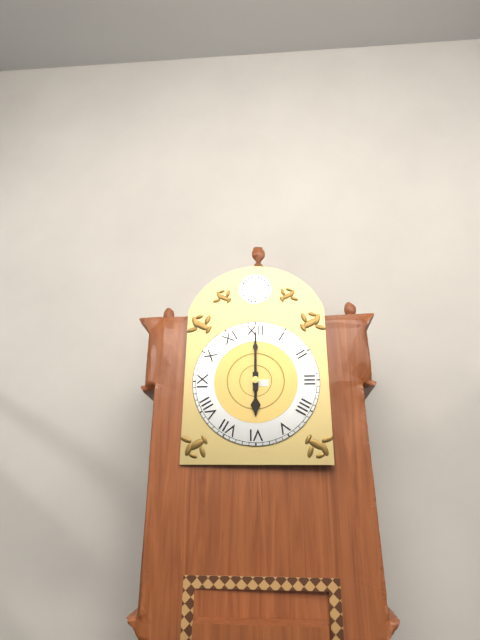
6:00
